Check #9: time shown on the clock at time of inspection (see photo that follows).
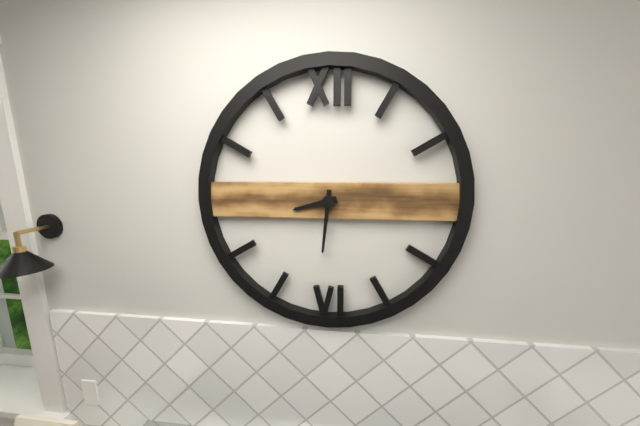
8:31
